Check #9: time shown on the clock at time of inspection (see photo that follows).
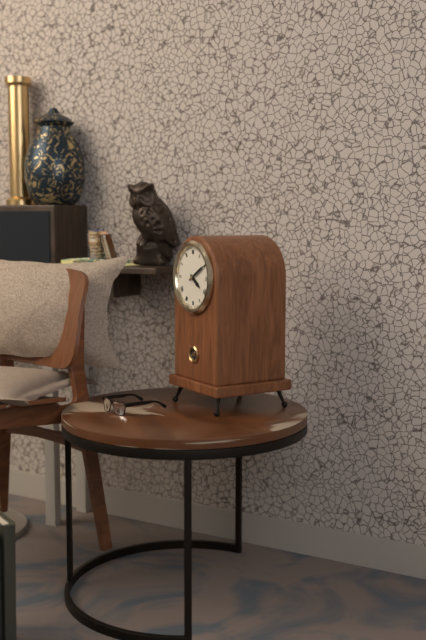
4:10
